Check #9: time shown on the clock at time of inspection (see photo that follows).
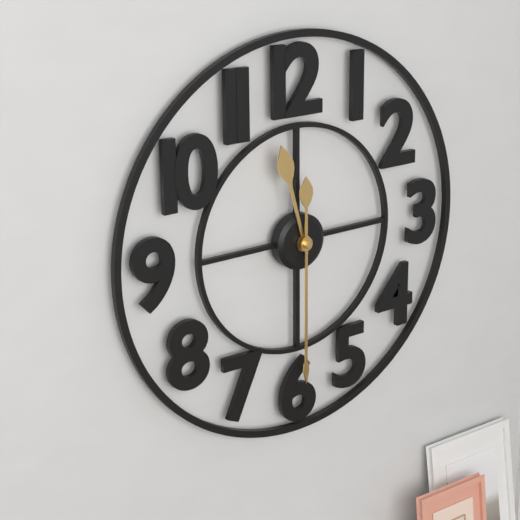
11:30
